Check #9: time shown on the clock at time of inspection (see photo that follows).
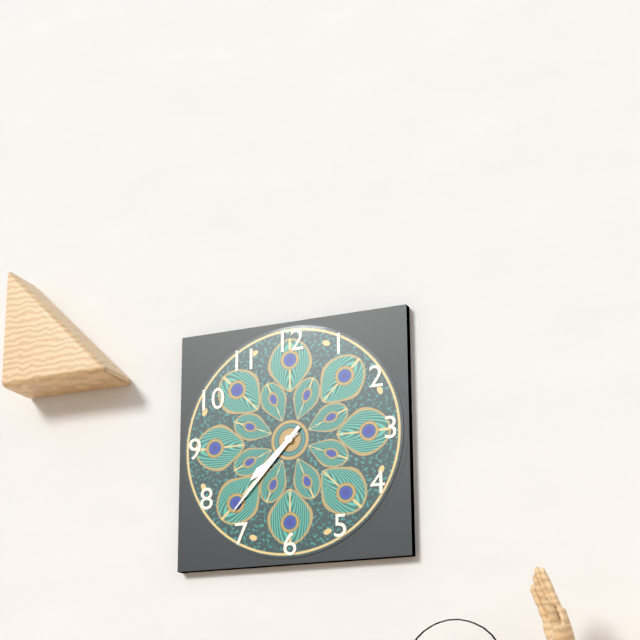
7:37
